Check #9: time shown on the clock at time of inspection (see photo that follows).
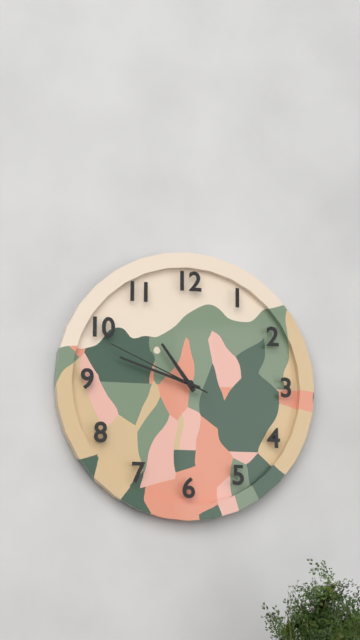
10:48:49
